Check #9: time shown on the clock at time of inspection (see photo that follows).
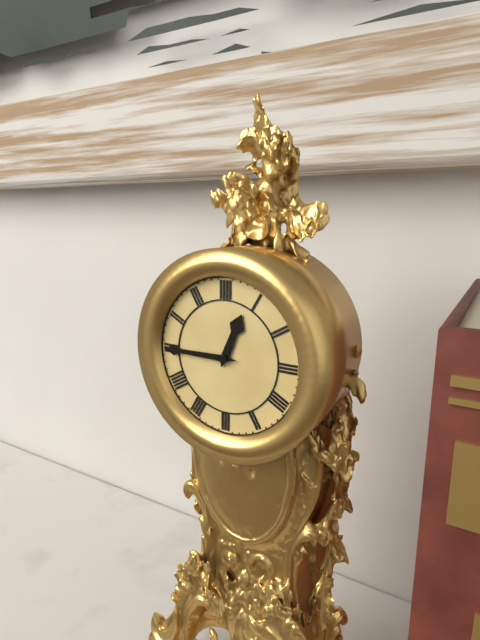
12:45
